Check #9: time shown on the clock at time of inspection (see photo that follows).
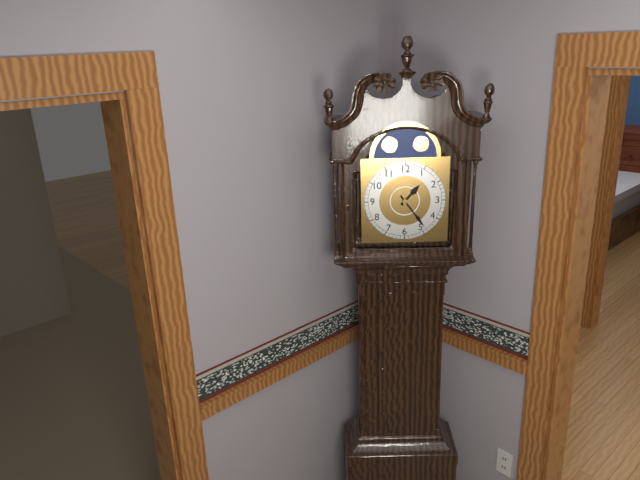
1:24
